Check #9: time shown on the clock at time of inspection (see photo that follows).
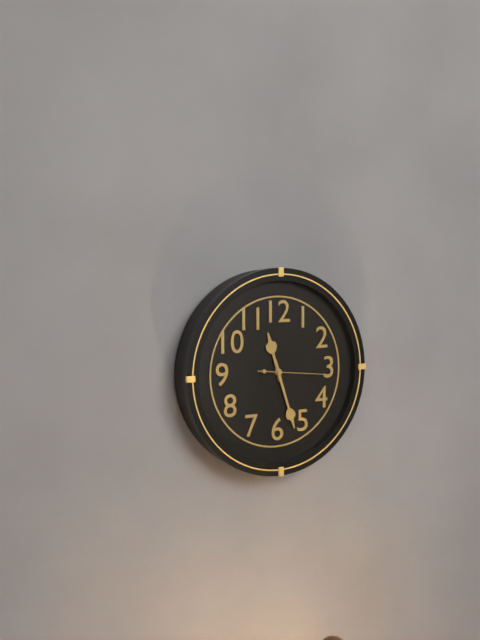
11:27:16
